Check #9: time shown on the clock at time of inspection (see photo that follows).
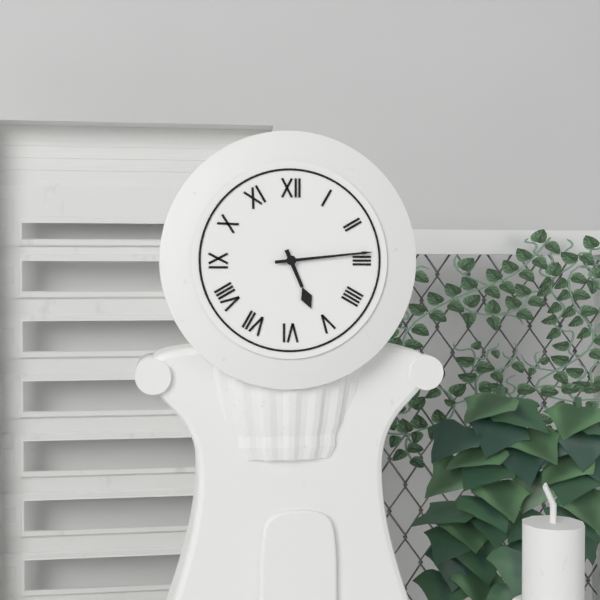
5:14
